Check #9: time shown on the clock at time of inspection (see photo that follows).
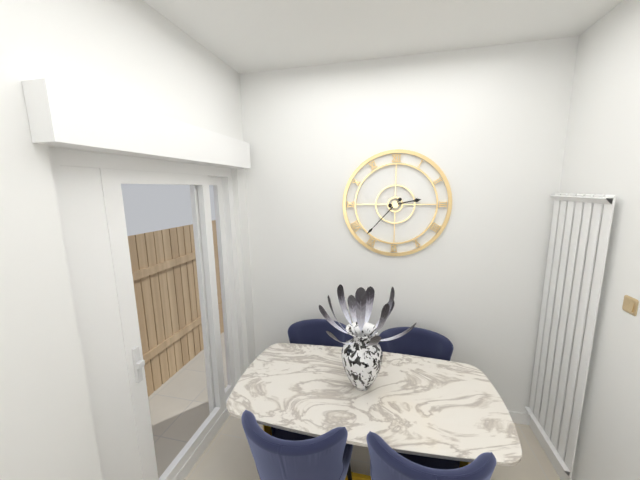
2:37
